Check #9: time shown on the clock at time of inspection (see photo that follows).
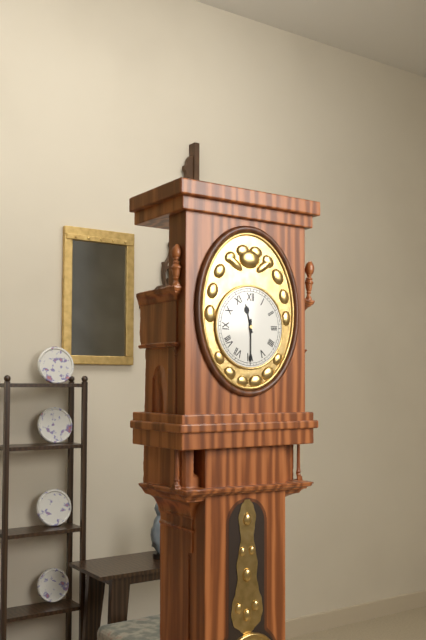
11:30
